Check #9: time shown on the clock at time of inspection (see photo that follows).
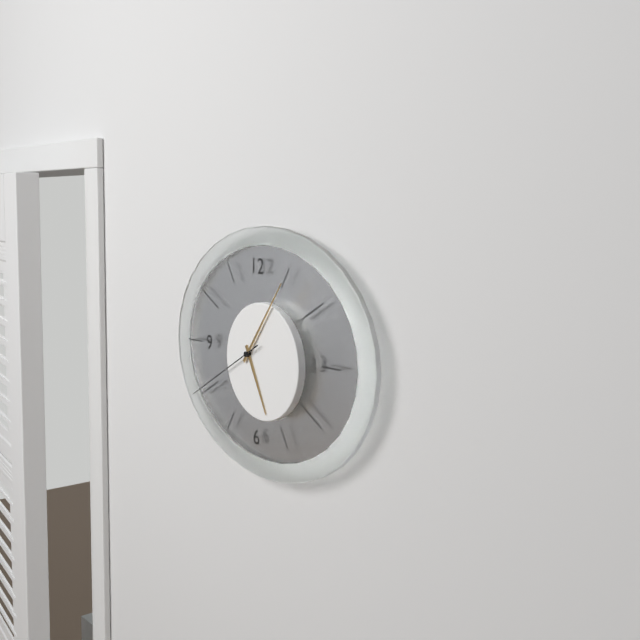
5:06:40
